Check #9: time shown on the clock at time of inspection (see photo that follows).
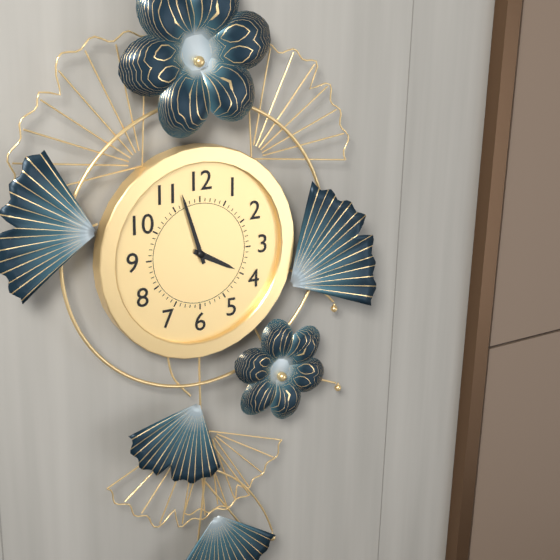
3:57
